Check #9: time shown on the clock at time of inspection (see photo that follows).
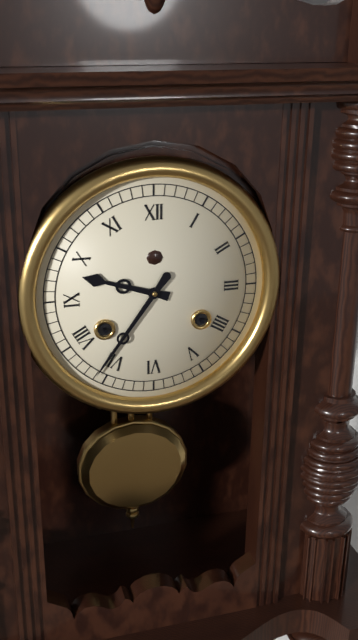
9:36
